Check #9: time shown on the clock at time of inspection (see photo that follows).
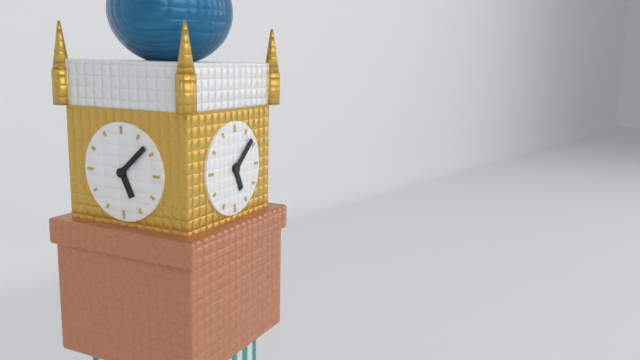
5:08
